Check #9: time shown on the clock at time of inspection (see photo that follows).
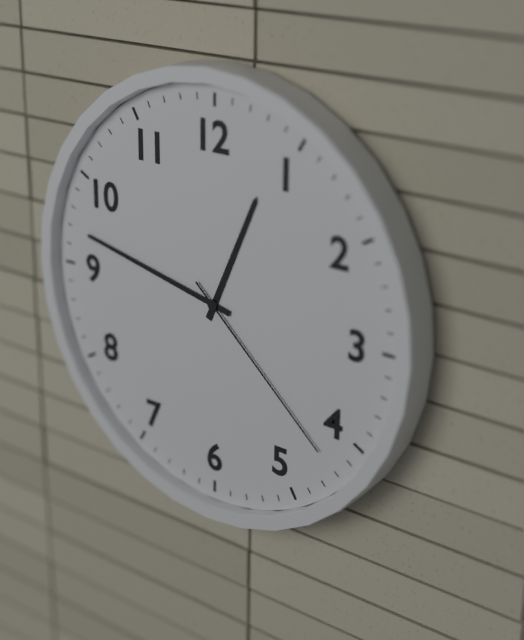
12:47:22
